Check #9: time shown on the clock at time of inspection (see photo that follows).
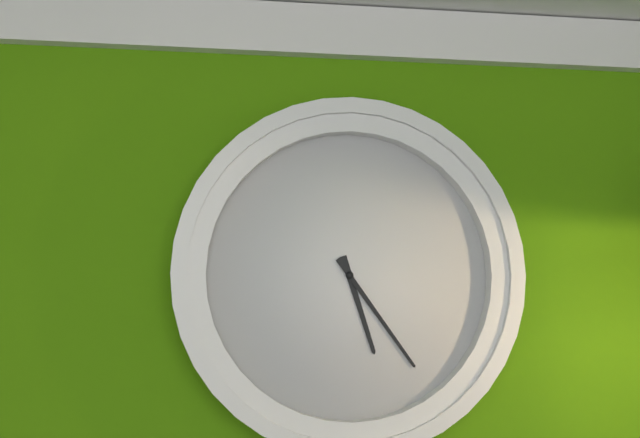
5:24
